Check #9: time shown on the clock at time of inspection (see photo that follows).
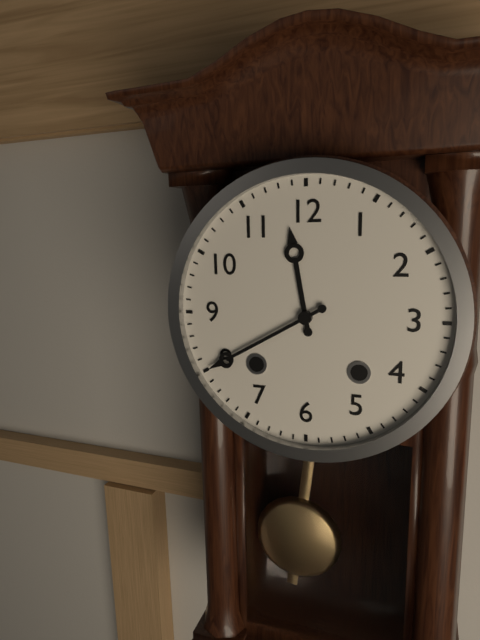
11:40
